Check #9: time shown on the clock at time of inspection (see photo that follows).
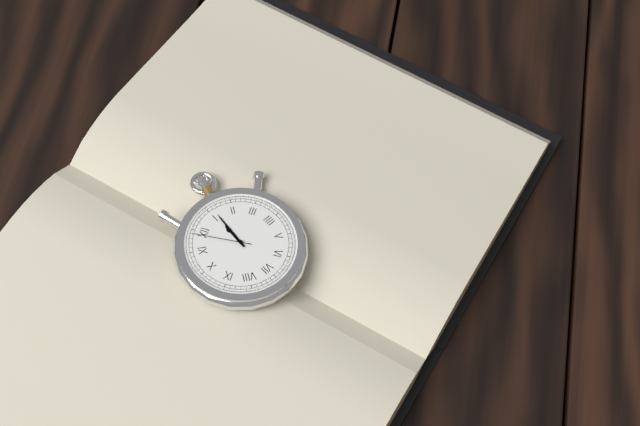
1:06:59
